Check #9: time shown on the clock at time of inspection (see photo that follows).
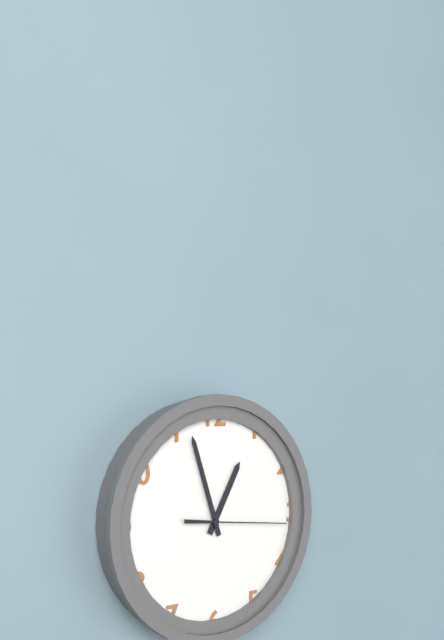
12:57:16
